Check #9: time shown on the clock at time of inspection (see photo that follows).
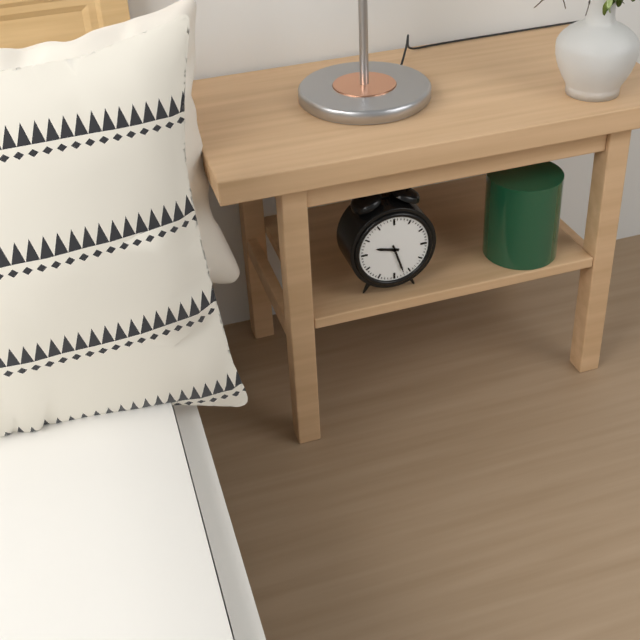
9:27
